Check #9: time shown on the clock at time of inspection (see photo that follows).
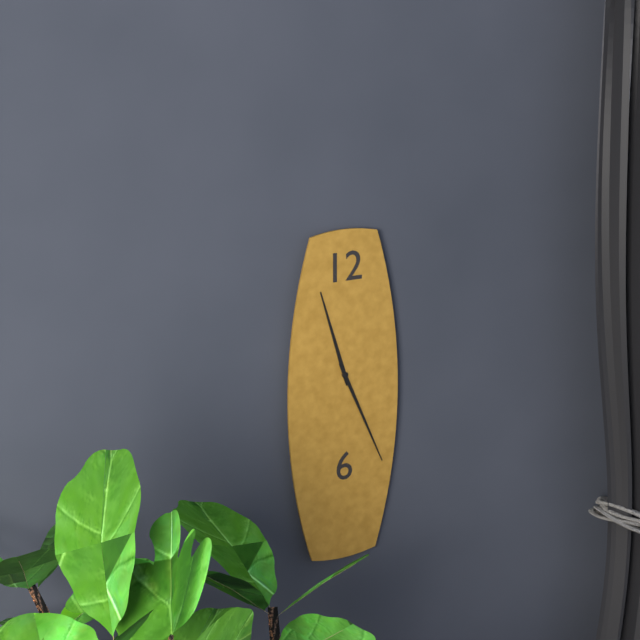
11:26
